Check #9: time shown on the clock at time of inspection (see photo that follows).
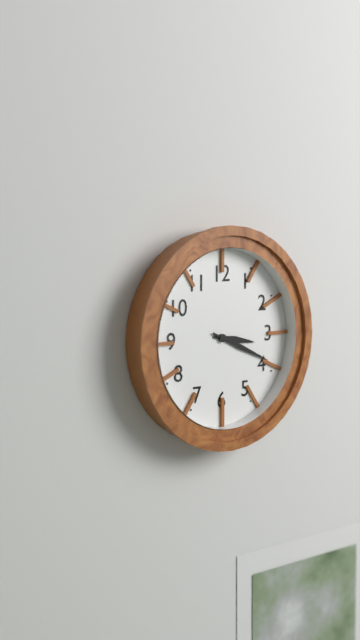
3:19
